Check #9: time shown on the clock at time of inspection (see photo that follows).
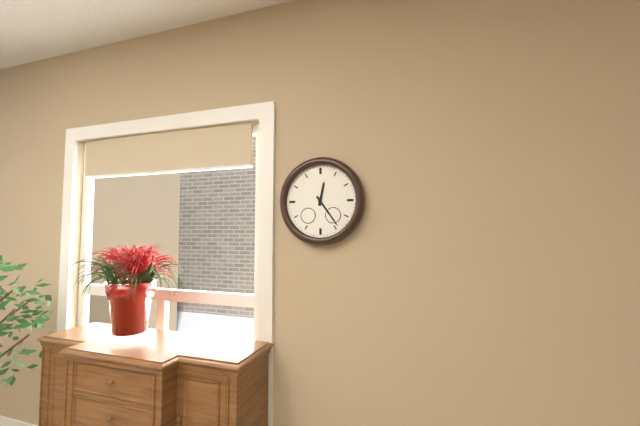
12:24
